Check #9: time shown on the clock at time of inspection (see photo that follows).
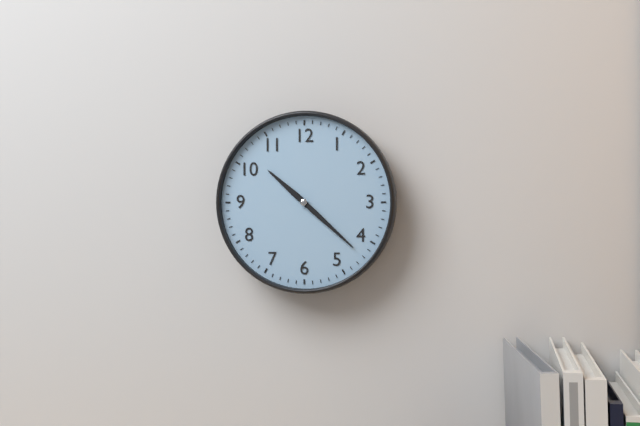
10:22
